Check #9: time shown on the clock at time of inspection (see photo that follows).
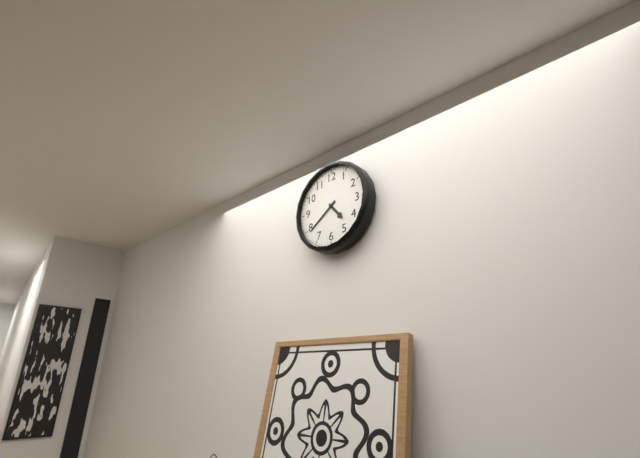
4:39
